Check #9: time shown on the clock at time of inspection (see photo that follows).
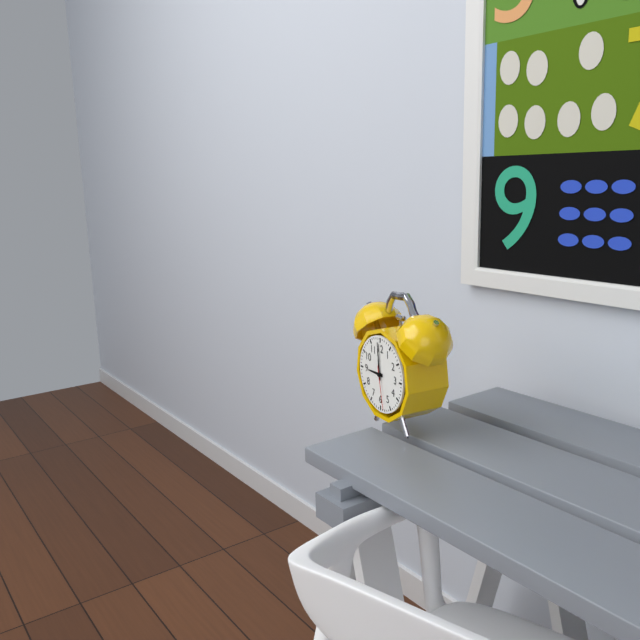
8:59
